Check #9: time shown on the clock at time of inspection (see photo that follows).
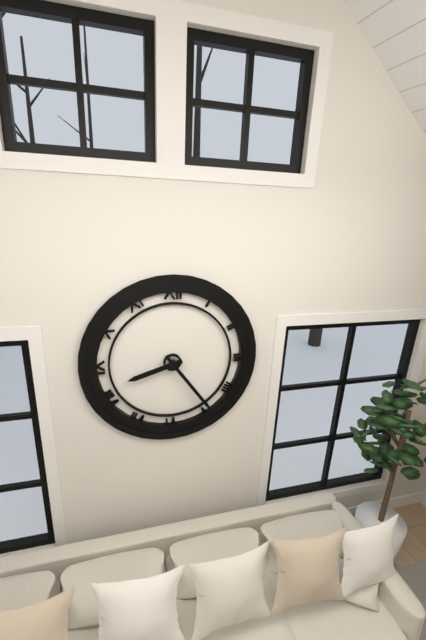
8:24
